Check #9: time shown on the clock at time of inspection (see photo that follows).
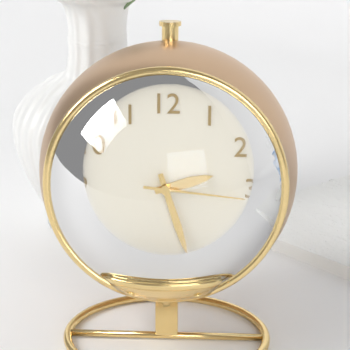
2:27:16
